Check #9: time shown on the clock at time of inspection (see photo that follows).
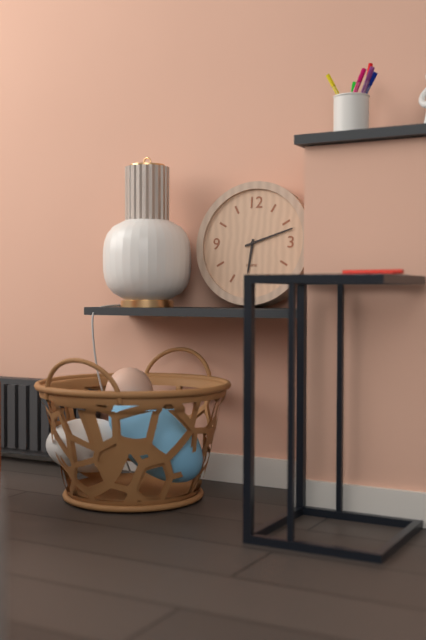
6:12
